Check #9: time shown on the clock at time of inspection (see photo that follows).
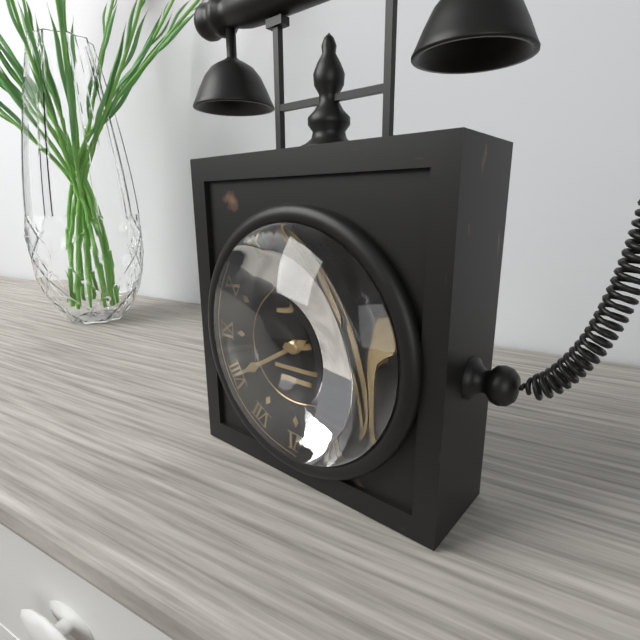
2:40
